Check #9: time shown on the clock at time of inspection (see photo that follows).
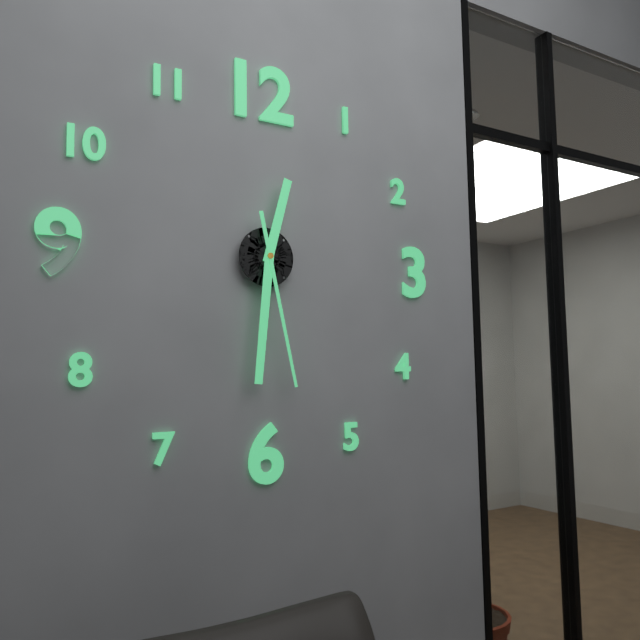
12:31:28
